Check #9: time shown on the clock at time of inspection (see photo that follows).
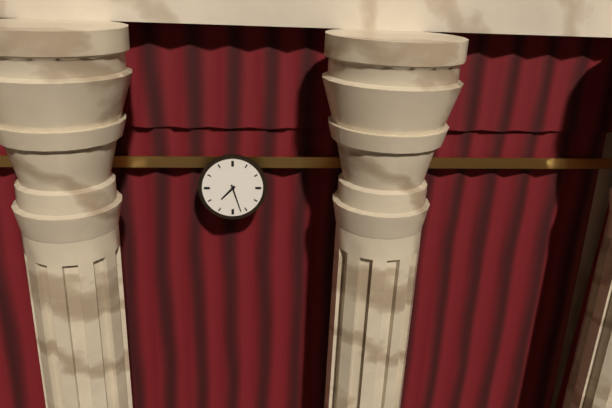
7:27
